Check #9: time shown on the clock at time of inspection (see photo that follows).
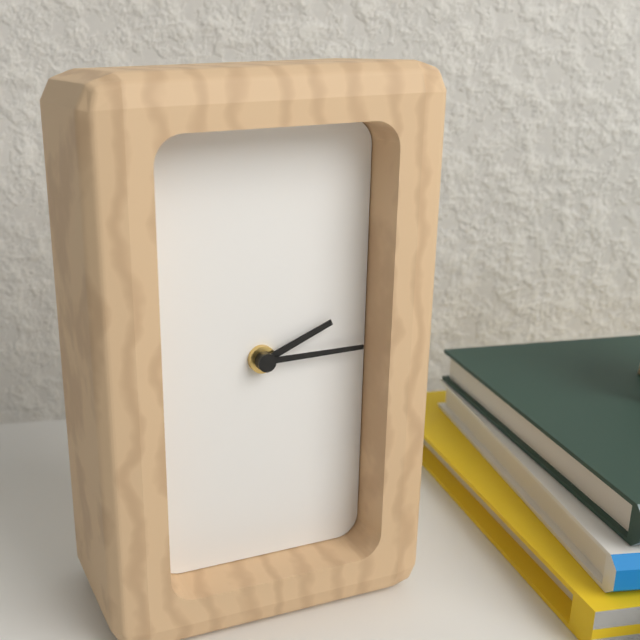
2:15
